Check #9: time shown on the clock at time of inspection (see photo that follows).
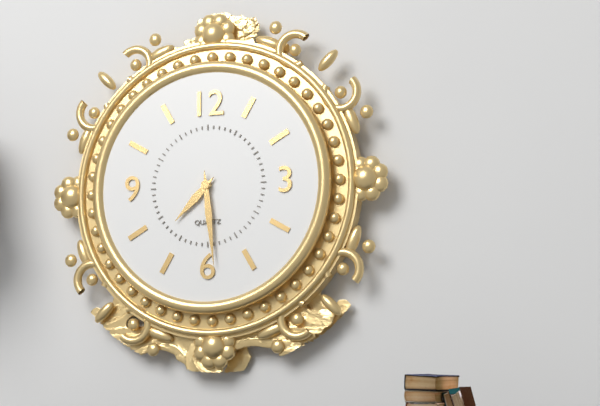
7:29
